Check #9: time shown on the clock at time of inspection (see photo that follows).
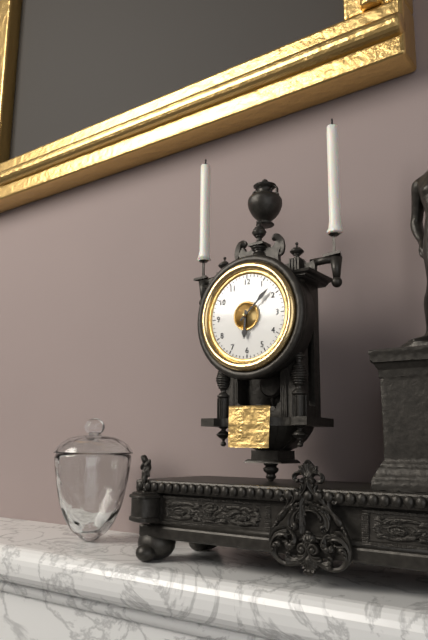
6:08
